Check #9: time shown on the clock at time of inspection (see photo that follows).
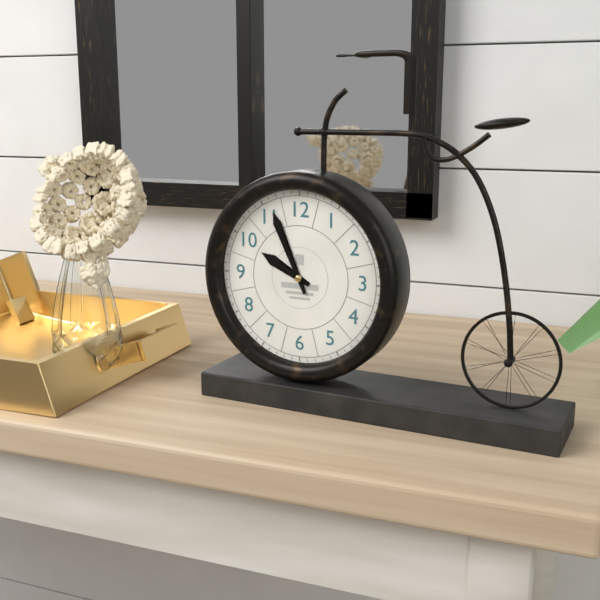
9:56
